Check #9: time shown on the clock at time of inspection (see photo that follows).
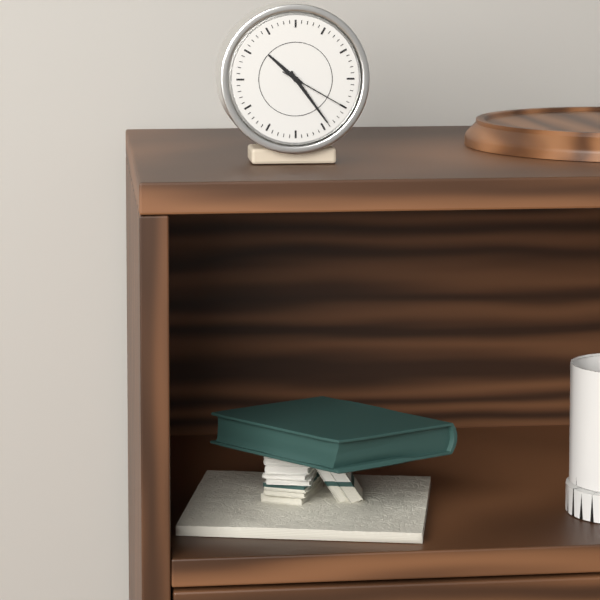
10:24:20
